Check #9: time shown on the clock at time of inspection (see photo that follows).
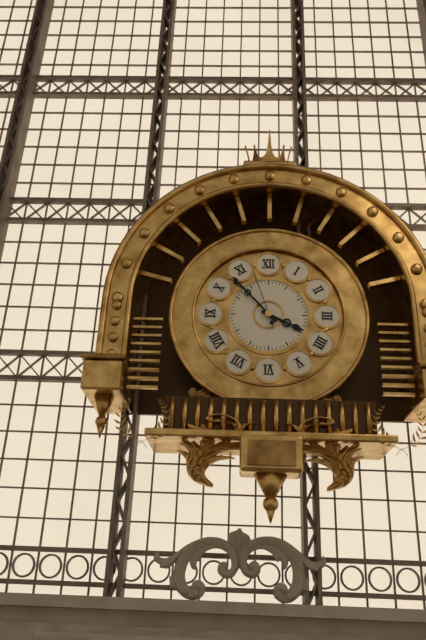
3:53:57
